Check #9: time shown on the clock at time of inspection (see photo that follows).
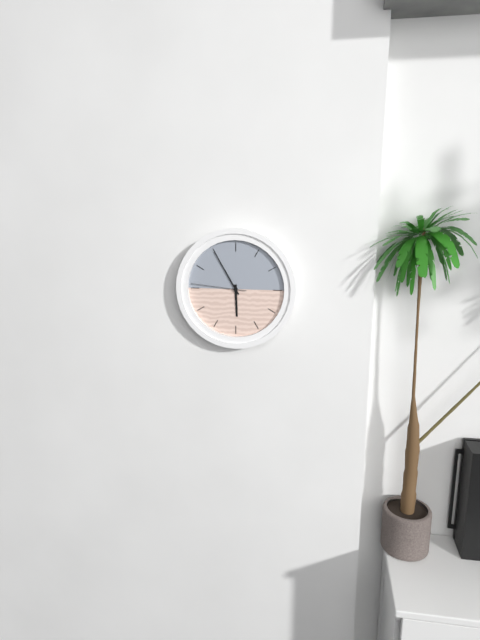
5:55:46
